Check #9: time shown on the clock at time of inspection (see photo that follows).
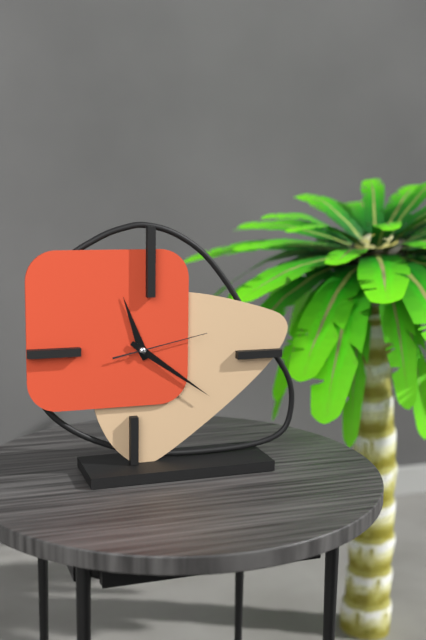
11:21:13
